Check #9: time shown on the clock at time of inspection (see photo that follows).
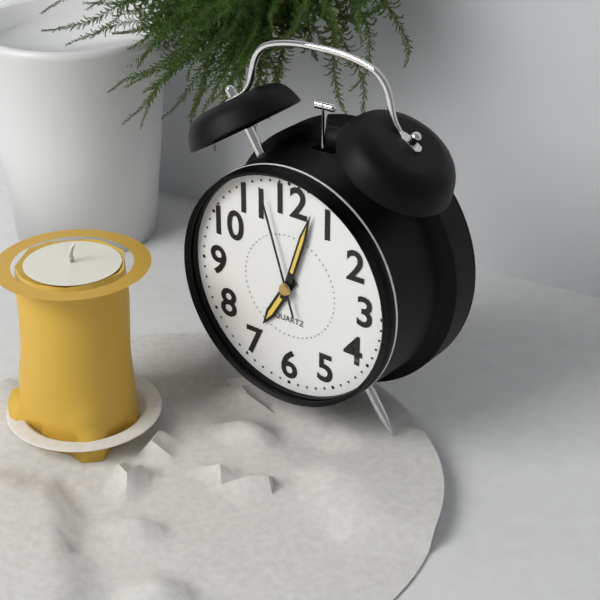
7:03:57
